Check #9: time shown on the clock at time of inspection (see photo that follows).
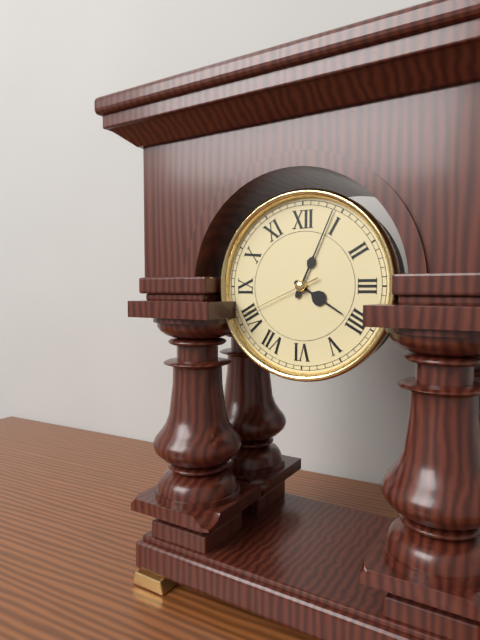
4:04:41
